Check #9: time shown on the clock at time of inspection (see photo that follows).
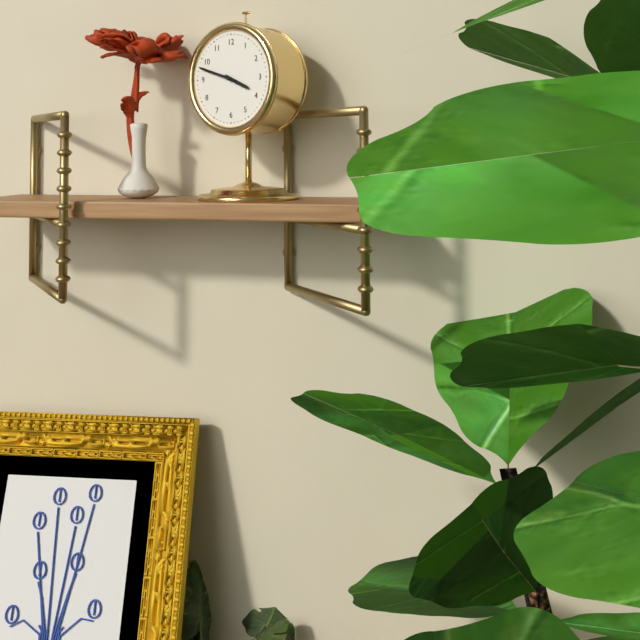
3:48
